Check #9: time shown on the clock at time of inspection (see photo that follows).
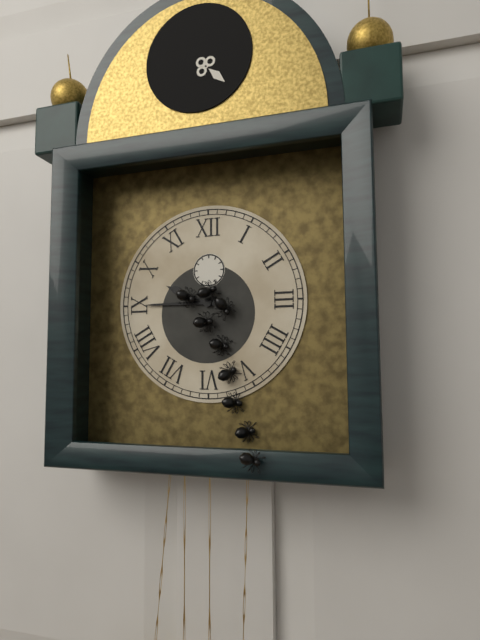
9:45
